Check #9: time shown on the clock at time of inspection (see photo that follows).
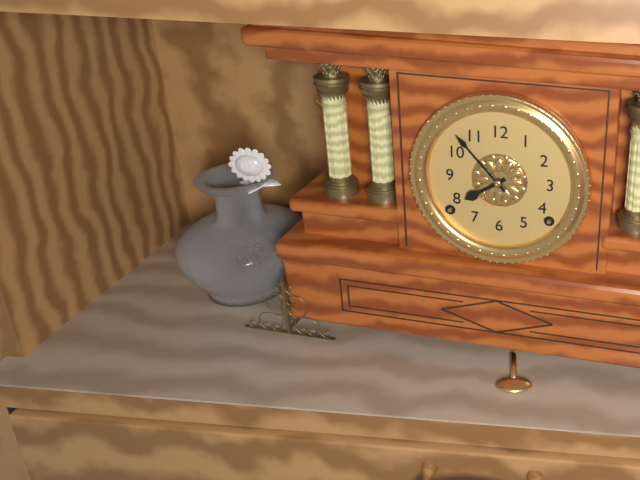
7:53
